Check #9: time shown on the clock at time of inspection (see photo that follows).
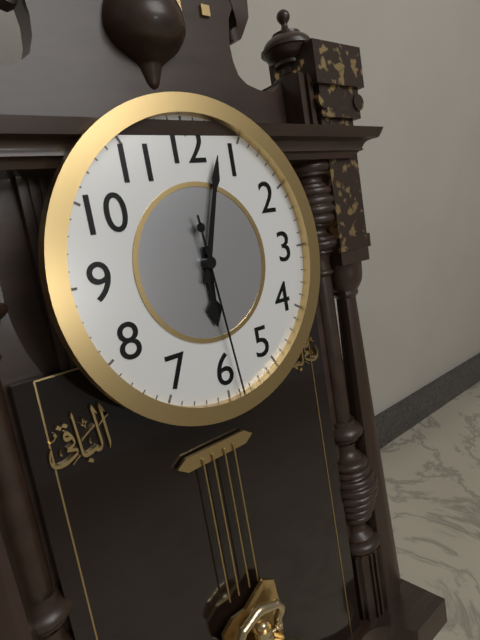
6:03:29
